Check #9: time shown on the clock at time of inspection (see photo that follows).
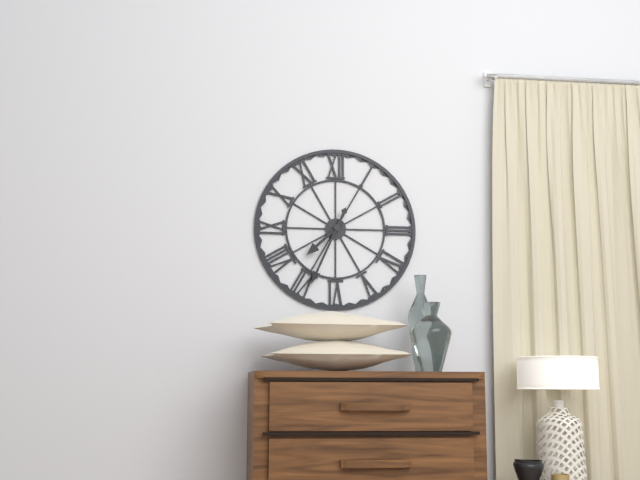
7:34
